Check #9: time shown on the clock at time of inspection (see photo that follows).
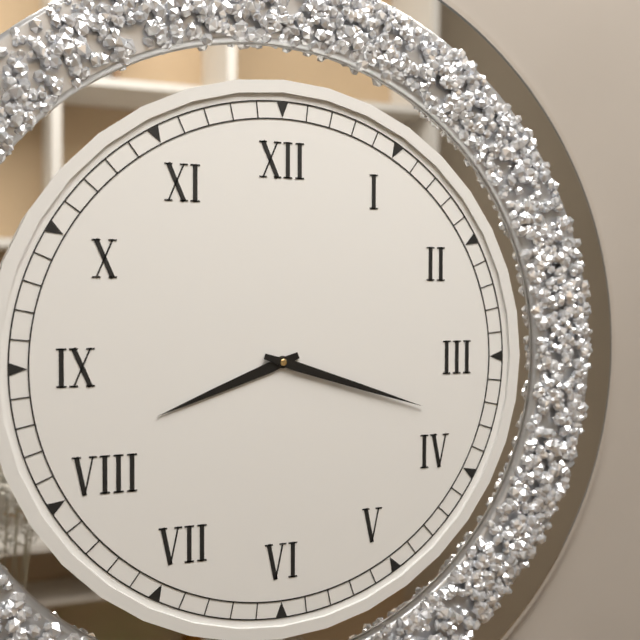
8:18
